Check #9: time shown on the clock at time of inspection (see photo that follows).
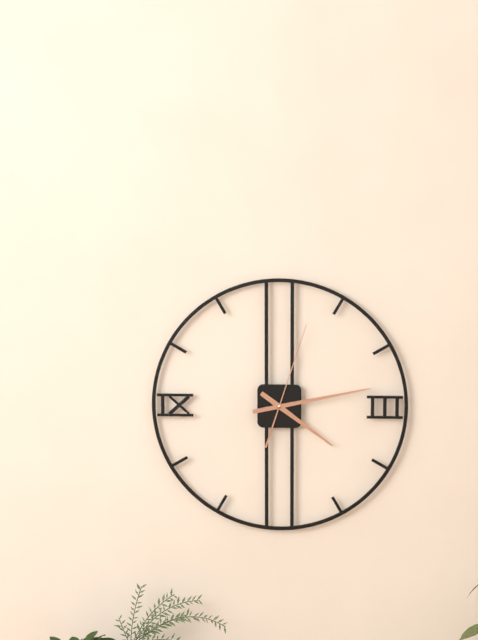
4:13:03
